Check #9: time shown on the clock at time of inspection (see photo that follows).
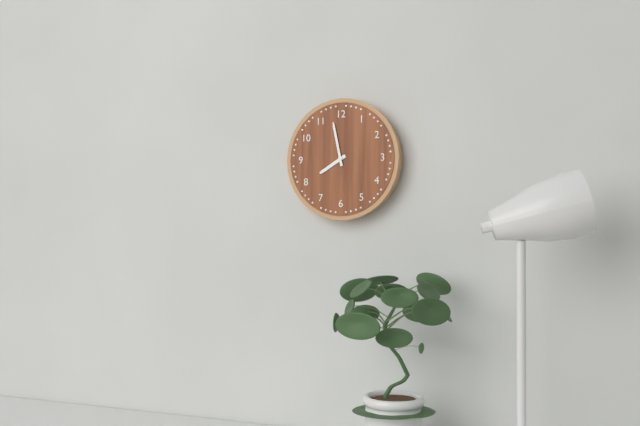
7:58
